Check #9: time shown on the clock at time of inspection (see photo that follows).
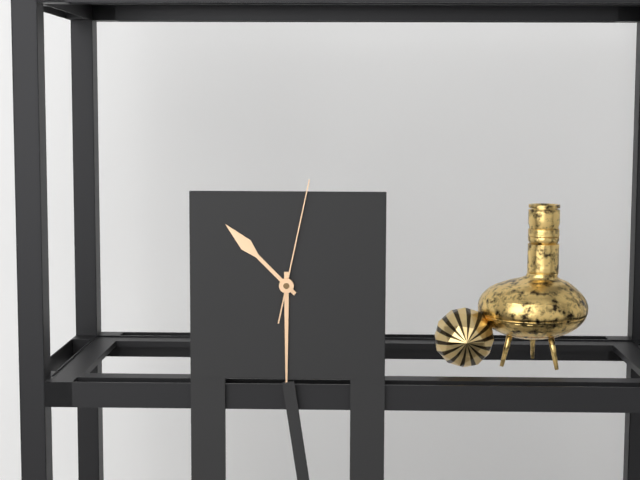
10:30:02
